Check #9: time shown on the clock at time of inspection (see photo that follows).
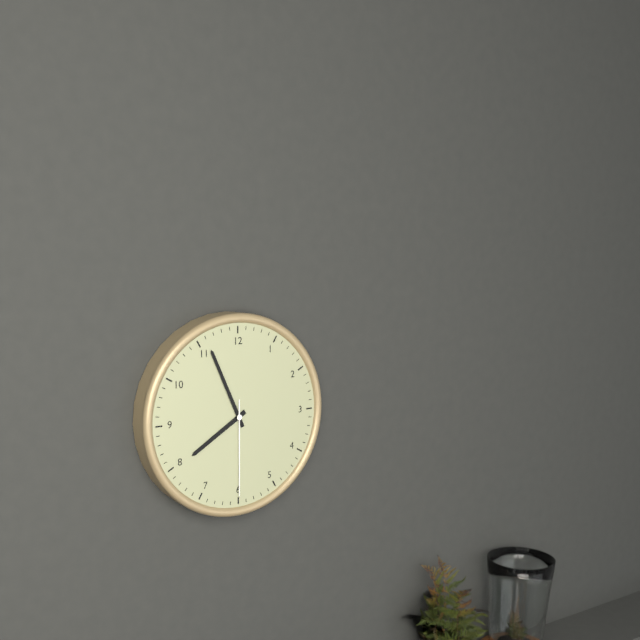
7:56:30
